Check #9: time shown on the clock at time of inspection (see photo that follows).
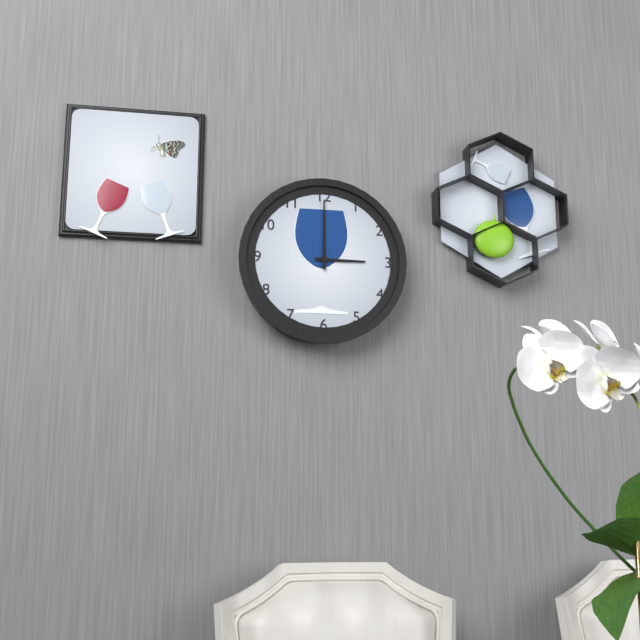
3:00
